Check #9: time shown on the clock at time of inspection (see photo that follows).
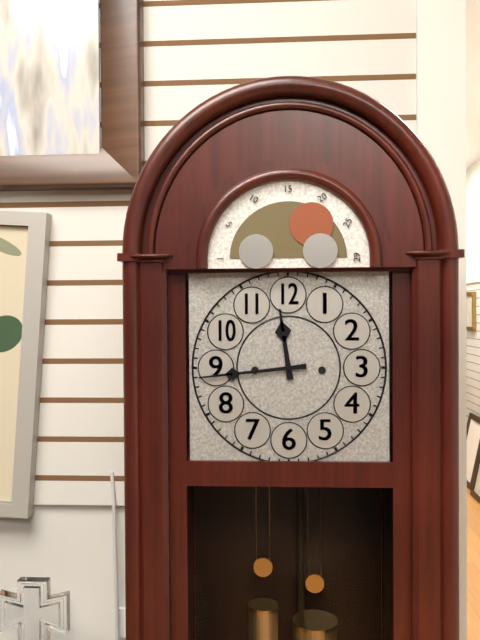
11:44
